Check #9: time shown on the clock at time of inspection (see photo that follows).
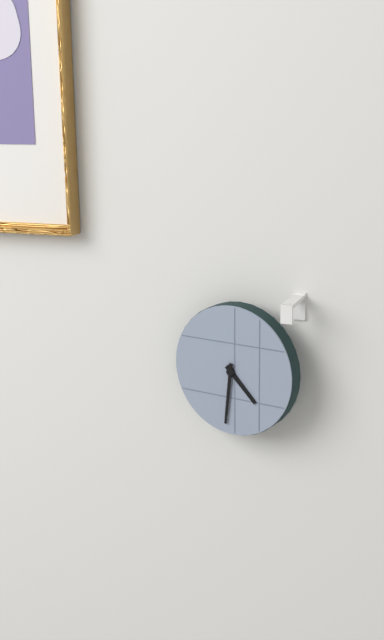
4:31
